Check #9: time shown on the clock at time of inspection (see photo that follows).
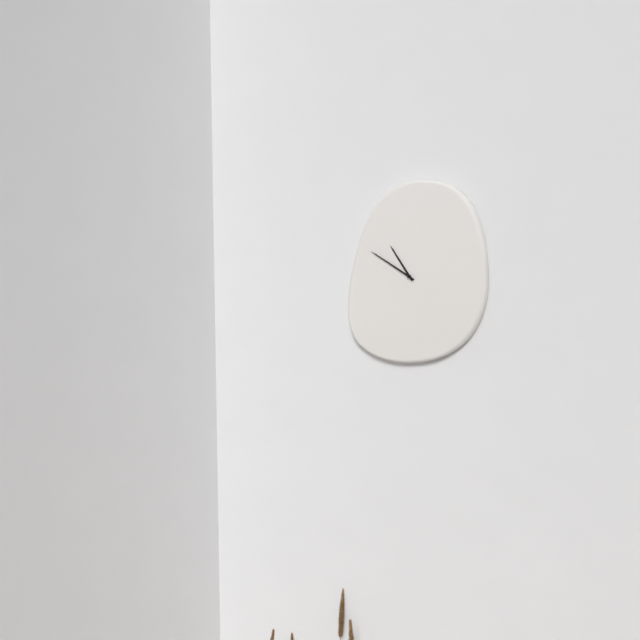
10:50
